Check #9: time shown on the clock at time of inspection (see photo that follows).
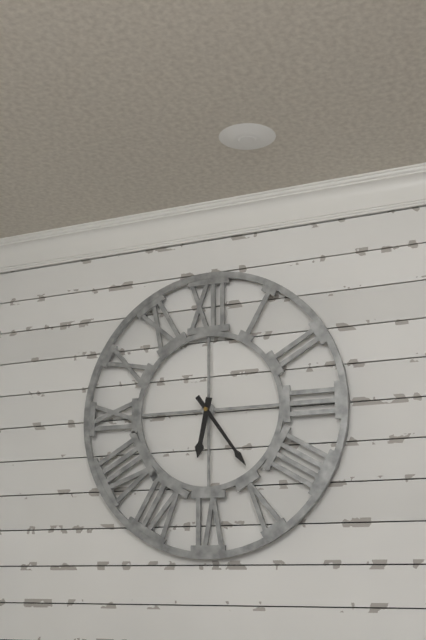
6:24
